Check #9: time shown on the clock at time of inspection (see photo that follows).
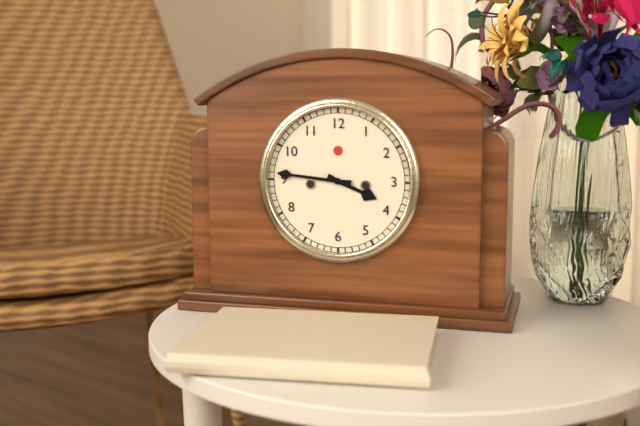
3:46
